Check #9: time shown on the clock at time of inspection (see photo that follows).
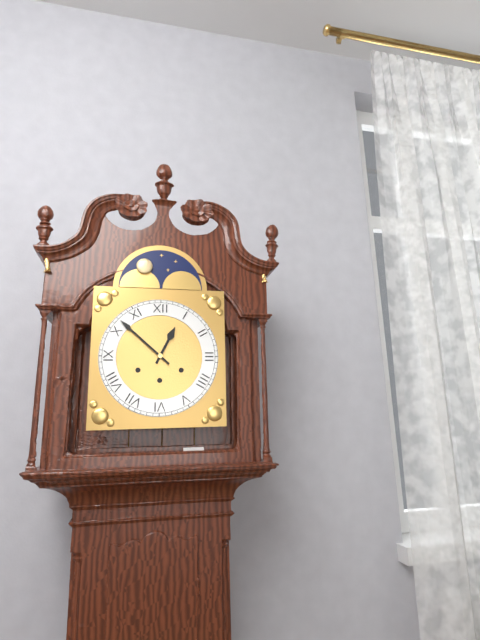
12:52
